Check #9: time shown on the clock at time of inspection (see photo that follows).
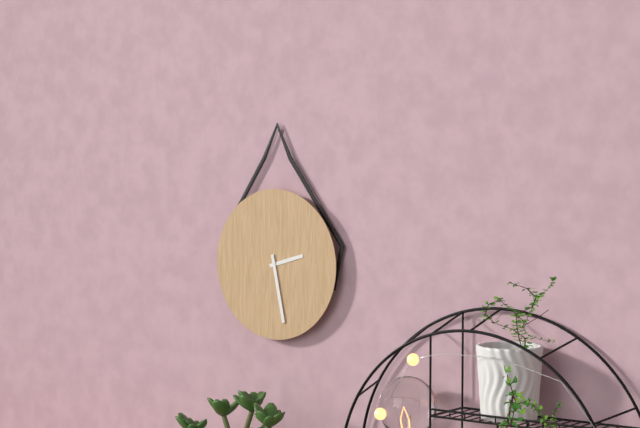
2:28
